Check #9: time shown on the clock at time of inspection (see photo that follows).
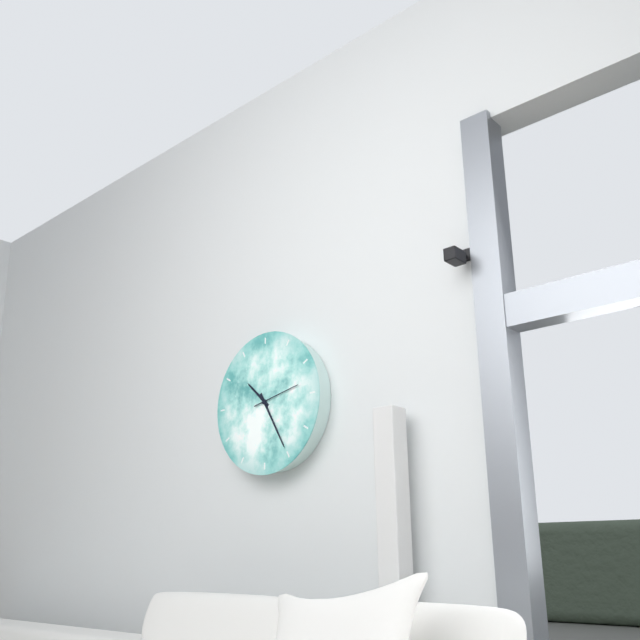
10:25
